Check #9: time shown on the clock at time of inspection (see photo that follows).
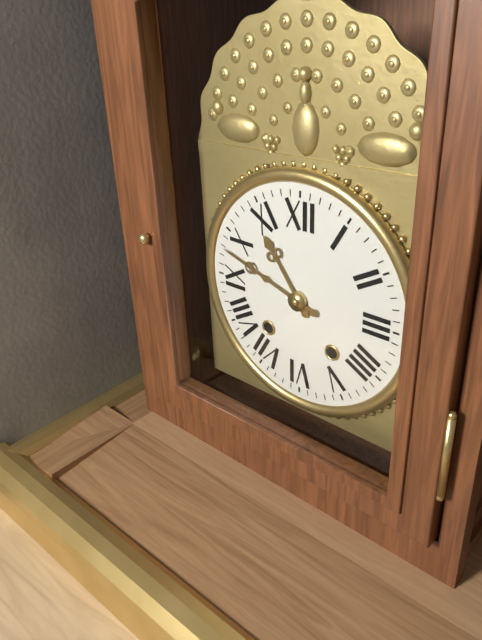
10:48
